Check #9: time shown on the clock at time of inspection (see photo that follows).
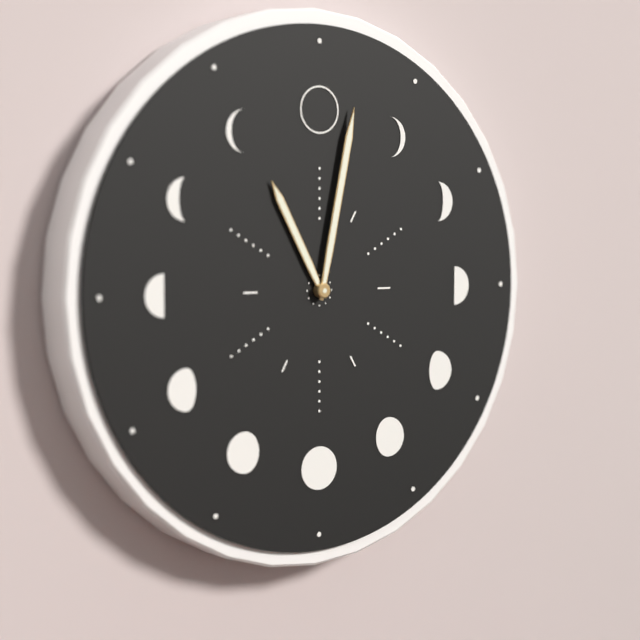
11:02
